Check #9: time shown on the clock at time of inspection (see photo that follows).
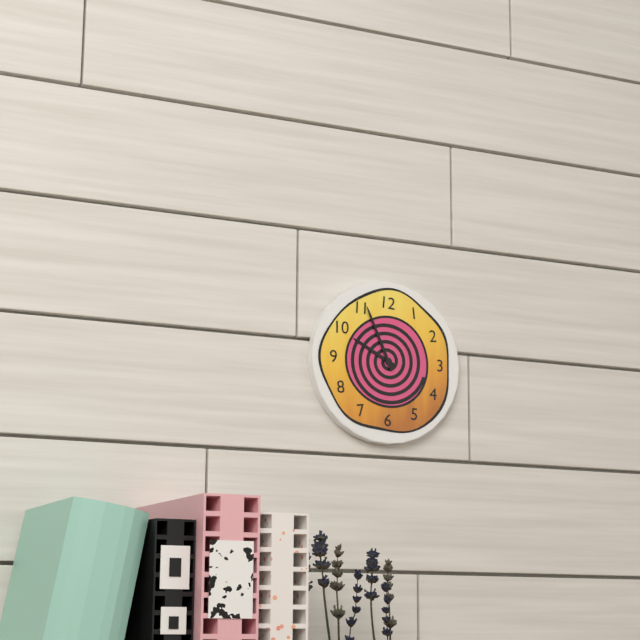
9:56
